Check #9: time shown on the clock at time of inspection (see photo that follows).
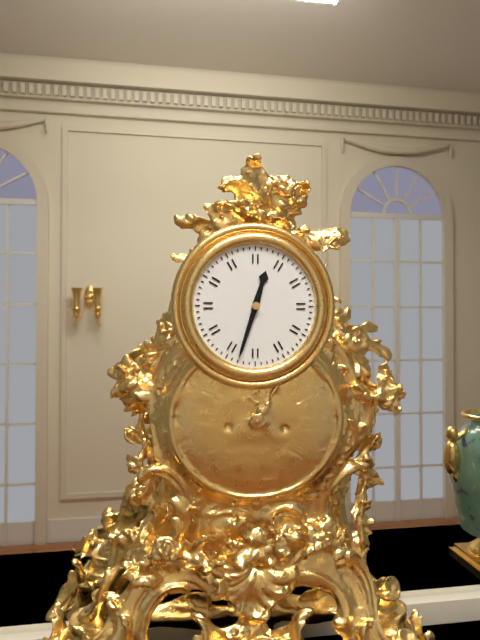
12:33
